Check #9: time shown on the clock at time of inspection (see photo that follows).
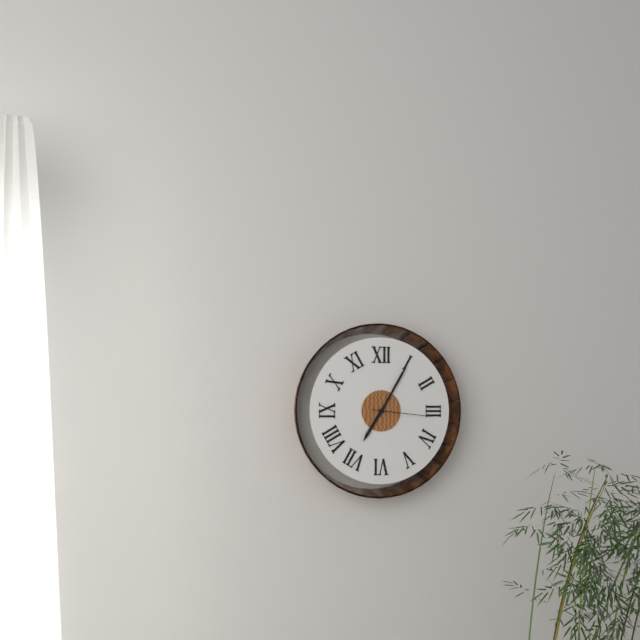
7:05:16
